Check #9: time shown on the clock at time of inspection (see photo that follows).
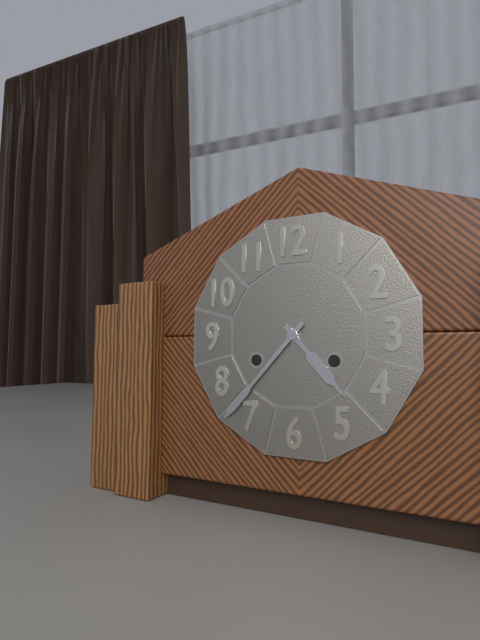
4:37
